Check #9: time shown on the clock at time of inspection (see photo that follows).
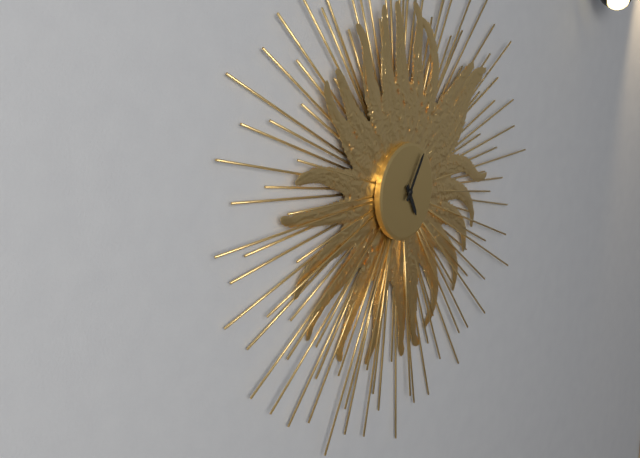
5:06
